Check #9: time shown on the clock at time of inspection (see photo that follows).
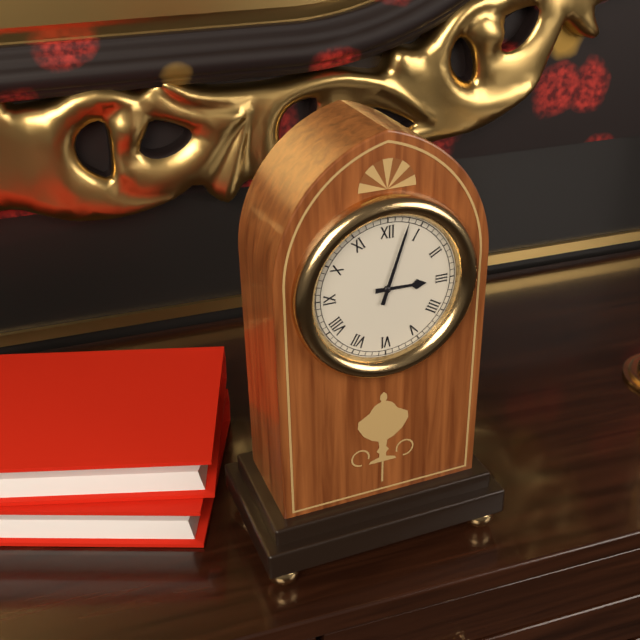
3:03
